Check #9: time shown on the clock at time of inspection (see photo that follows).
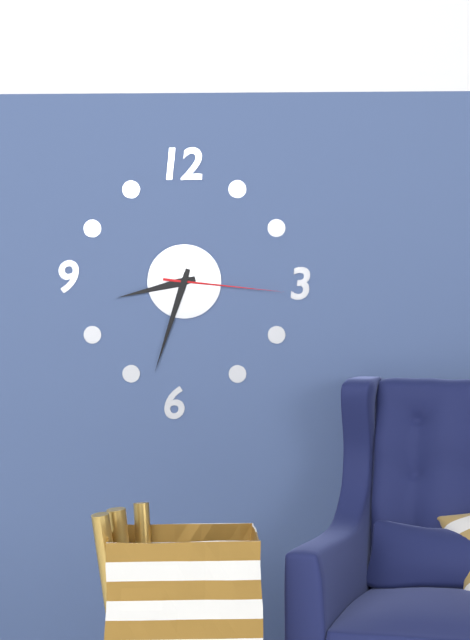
8:33:16
